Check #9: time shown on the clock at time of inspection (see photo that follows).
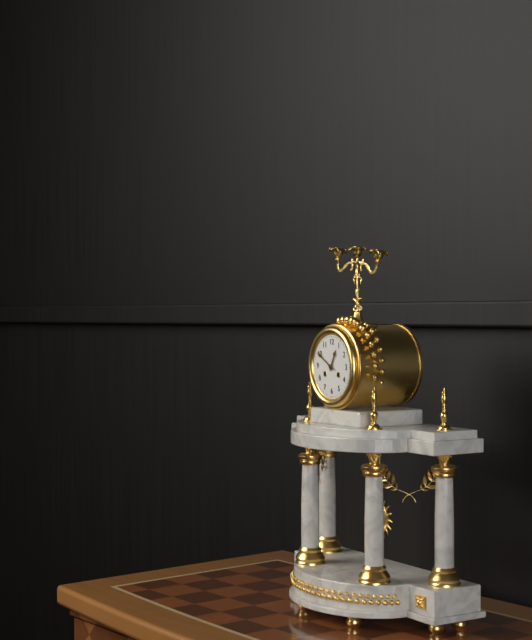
12:50
